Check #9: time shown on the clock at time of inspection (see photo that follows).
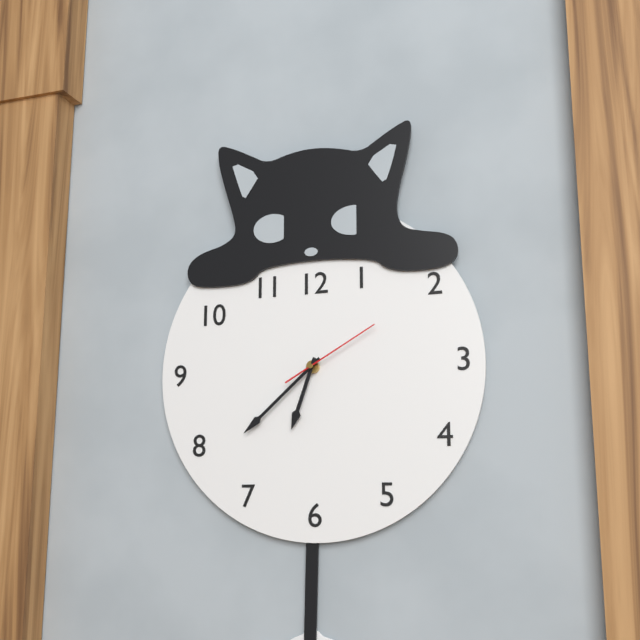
6:38:10
